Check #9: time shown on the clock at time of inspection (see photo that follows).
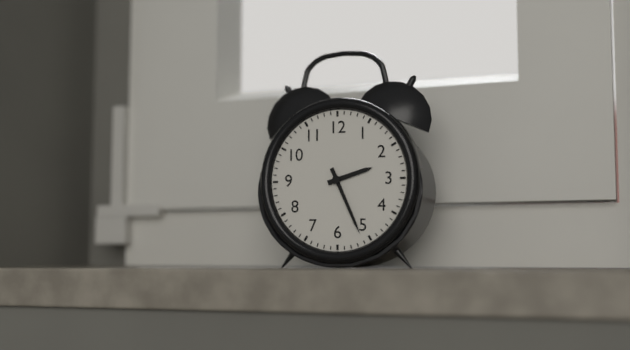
2:26
